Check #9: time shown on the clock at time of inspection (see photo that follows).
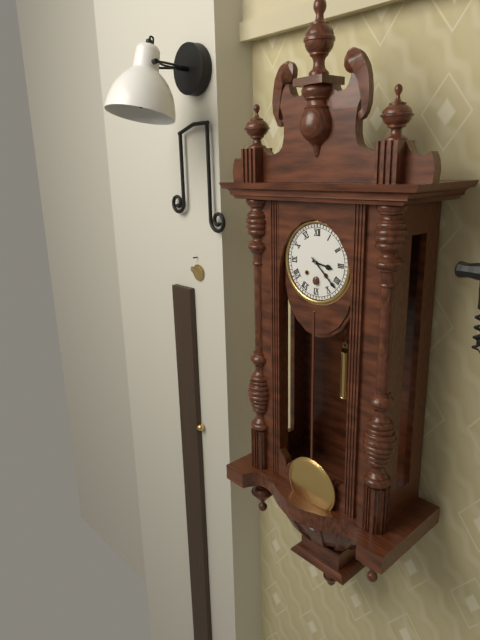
3:22
